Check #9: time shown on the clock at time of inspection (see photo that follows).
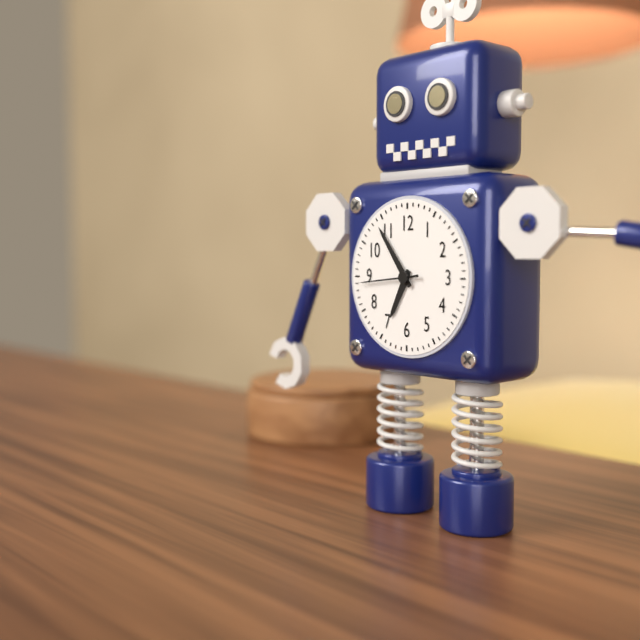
6:54:44
